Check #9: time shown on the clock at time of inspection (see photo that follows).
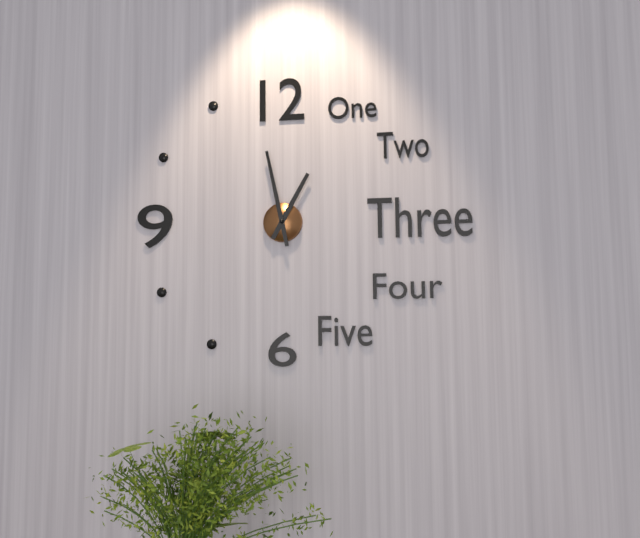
12:58
